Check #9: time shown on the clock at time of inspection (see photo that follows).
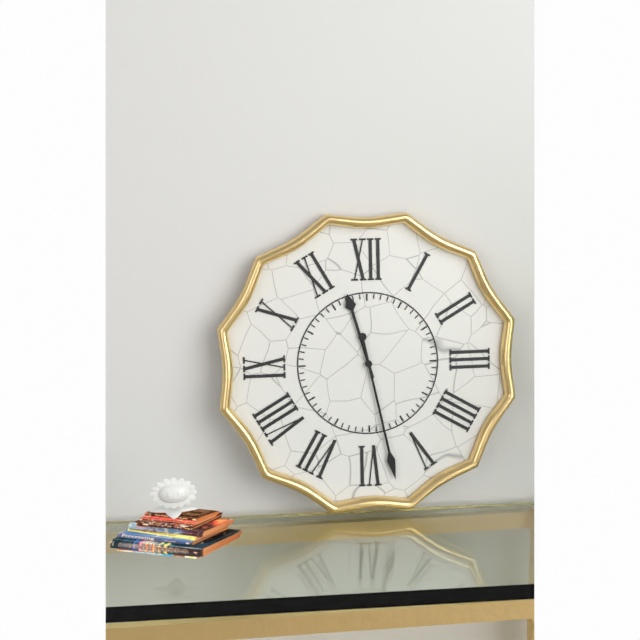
11:28
